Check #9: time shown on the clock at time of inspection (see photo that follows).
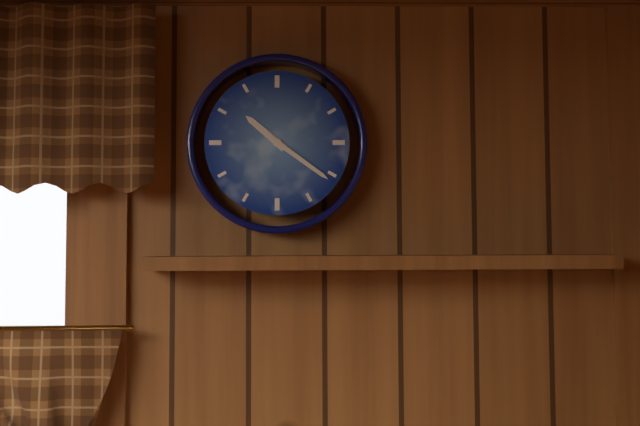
10:21
